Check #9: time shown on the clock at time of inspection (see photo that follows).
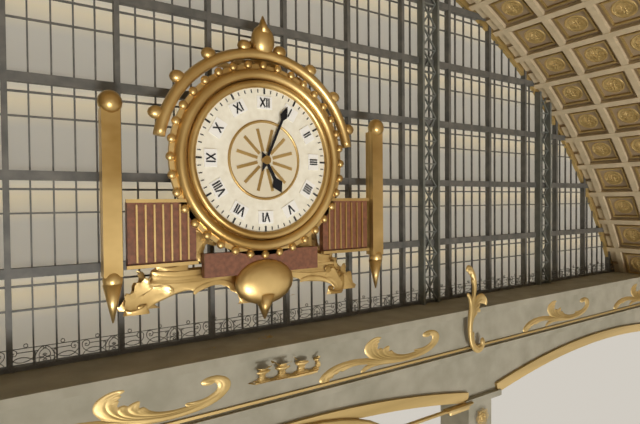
5:04
